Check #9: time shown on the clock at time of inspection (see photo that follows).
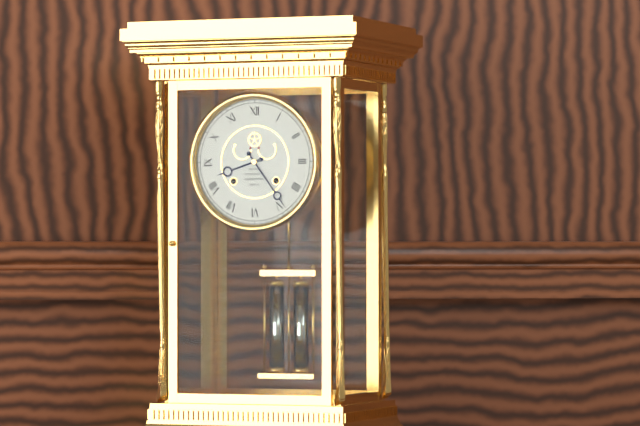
8:24
